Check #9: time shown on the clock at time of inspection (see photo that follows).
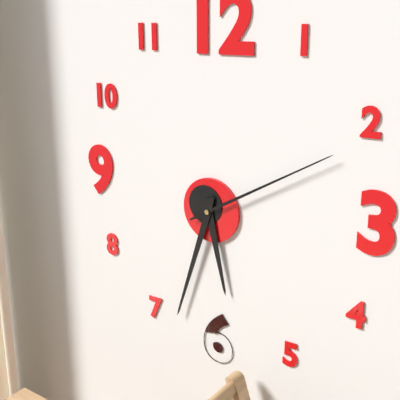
5:33:10
